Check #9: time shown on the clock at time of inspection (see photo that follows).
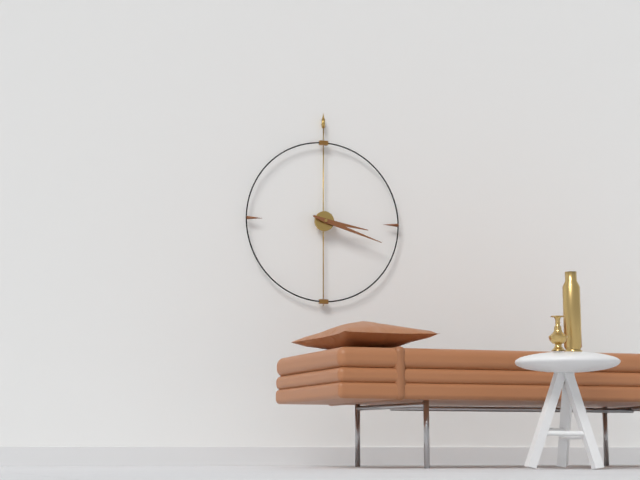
3:18
